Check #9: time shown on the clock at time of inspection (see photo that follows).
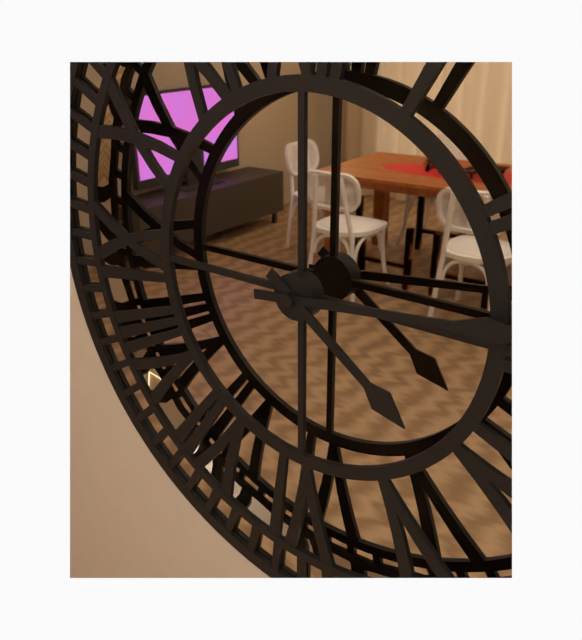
4:14
